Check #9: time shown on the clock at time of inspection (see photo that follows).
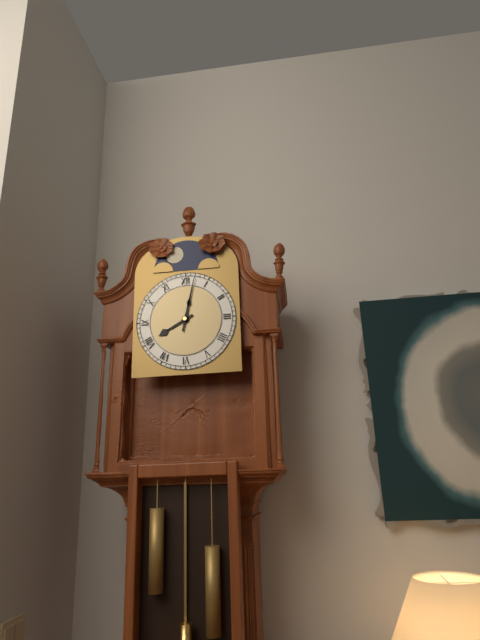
8:02
